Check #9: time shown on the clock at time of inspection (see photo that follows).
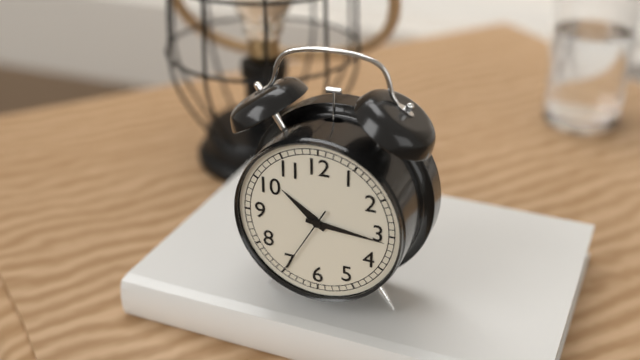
10:16:35
